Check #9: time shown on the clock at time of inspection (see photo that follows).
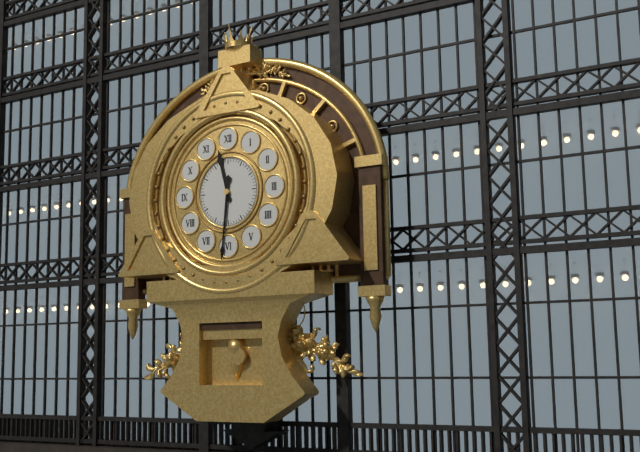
11:31
